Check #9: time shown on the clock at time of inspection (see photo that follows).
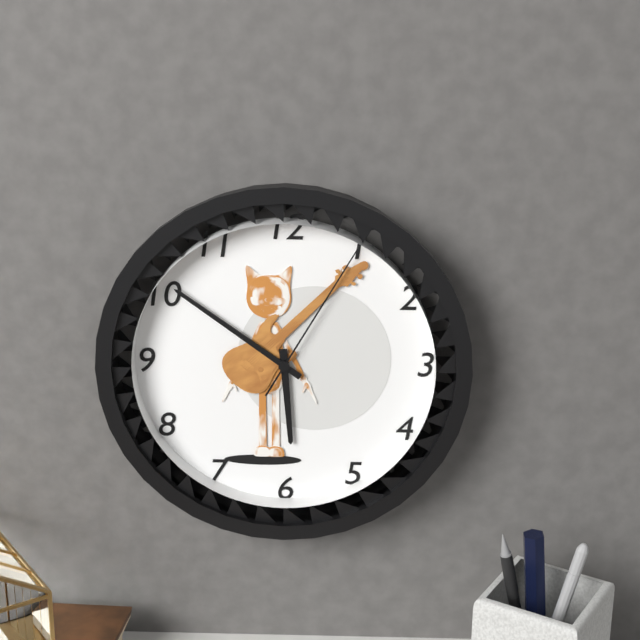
5:51:05
